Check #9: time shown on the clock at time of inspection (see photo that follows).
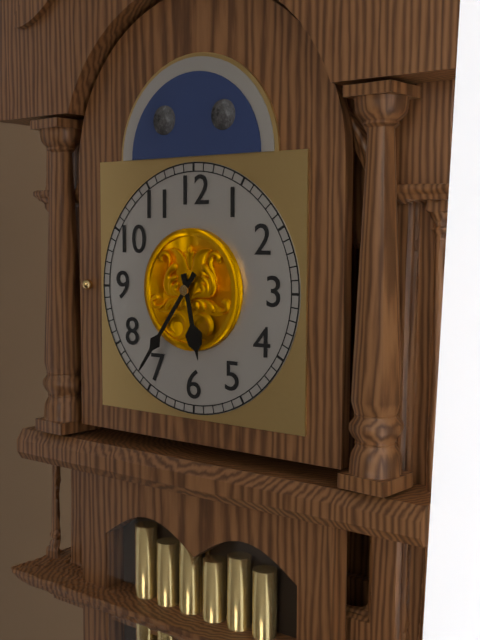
5:36
